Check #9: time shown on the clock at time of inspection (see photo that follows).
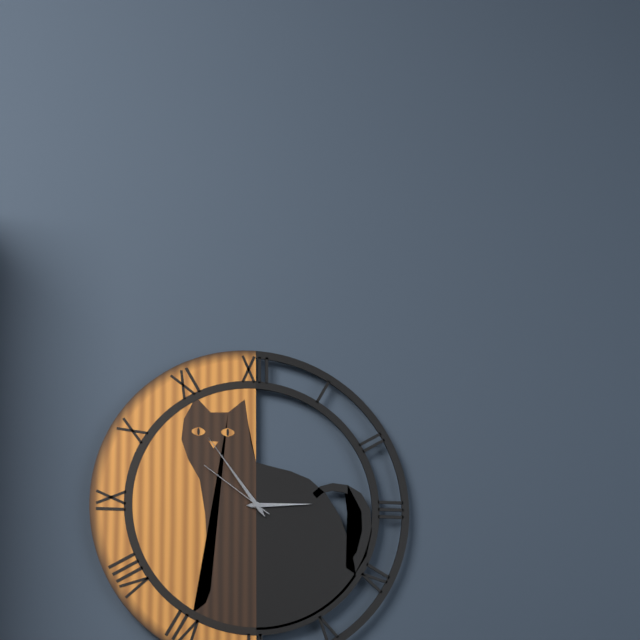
2:54:51
